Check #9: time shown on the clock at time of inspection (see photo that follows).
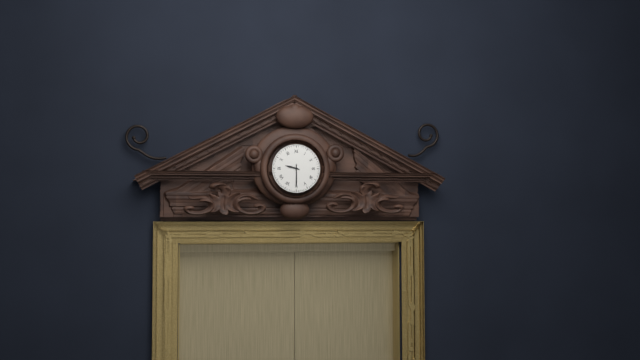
9:30
